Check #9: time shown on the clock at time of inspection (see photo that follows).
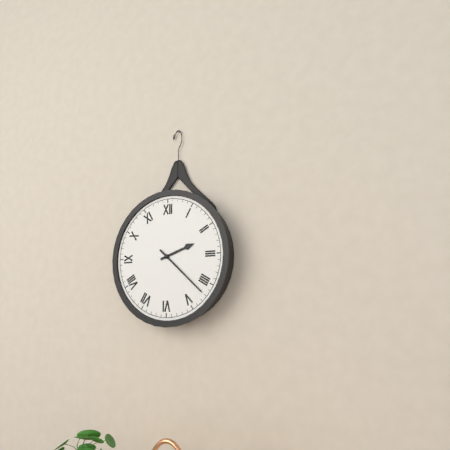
2:22
